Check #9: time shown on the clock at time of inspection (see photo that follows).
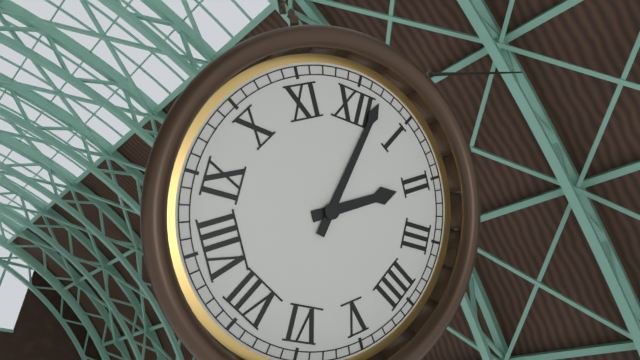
2:02
